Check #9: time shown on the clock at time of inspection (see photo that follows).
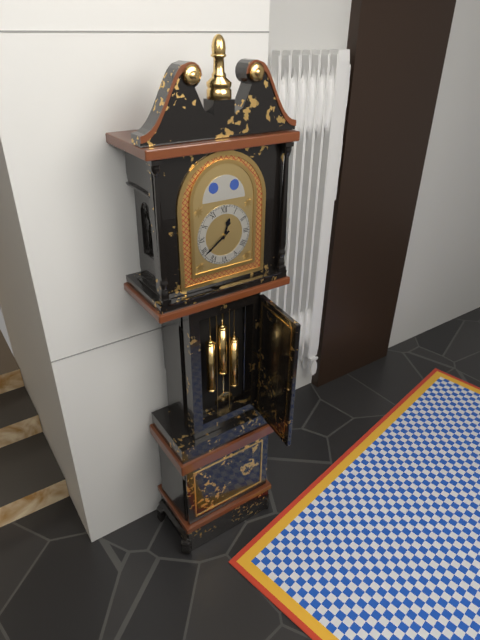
12:39
